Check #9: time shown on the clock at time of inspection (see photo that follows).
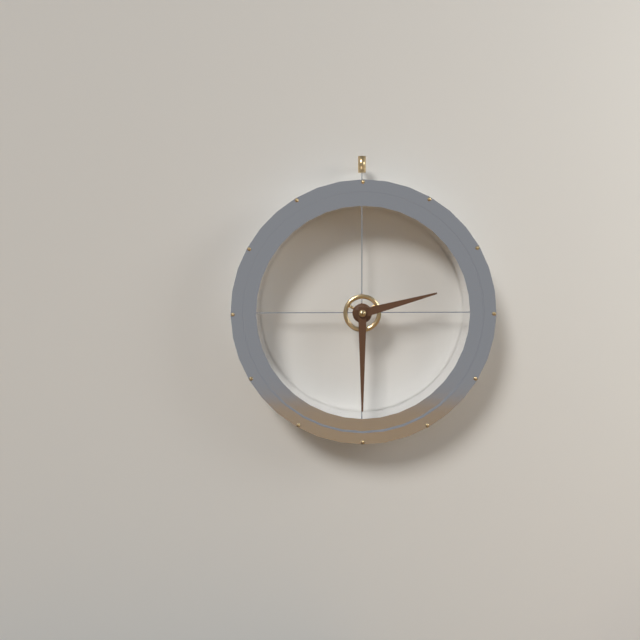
2:30
